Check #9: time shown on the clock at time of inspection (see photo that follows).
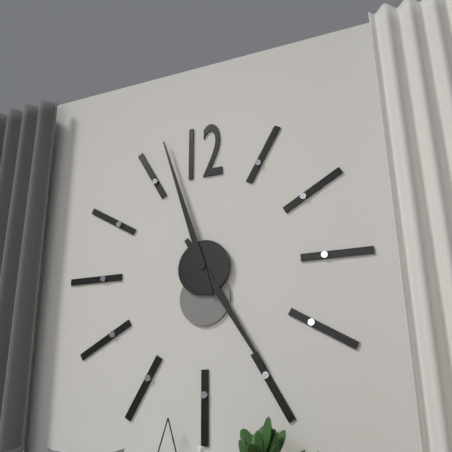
4:57
